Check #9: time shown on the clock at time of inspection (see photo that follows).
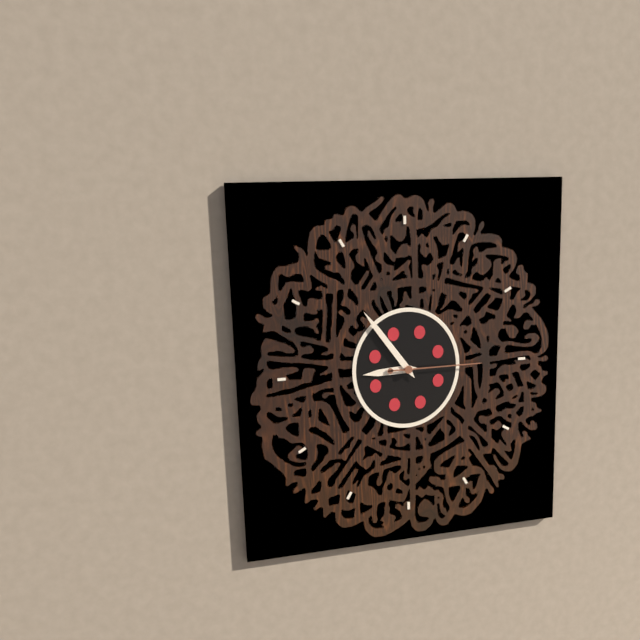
8:54:15
